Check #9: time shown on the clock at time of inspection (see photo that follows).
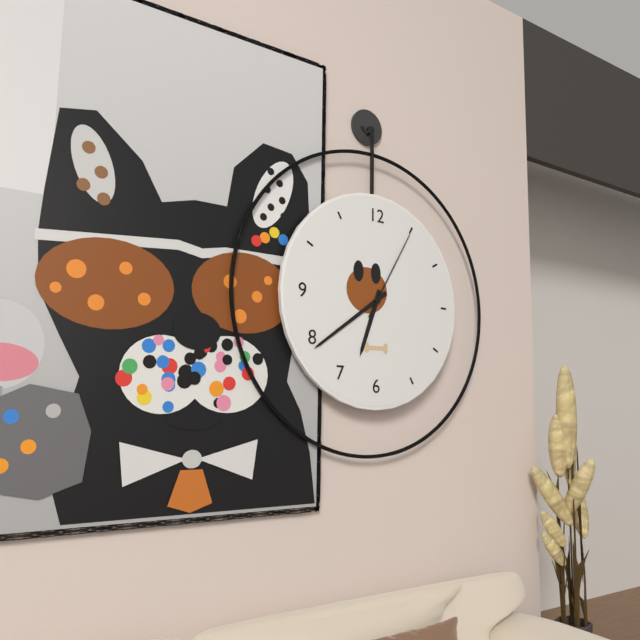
6:39:05
